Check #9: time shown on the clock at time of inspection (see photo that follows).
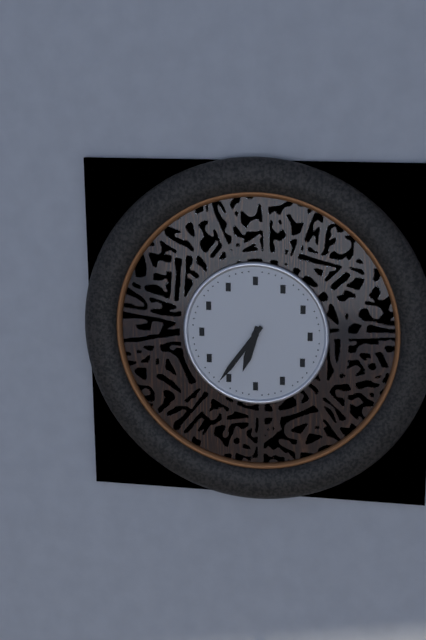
6:36
